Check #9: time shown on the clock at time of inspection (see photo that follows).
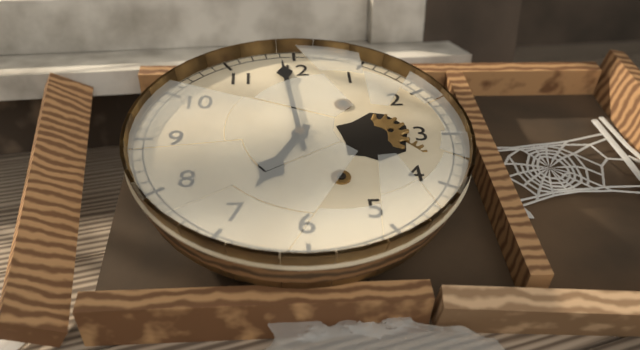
6:59
